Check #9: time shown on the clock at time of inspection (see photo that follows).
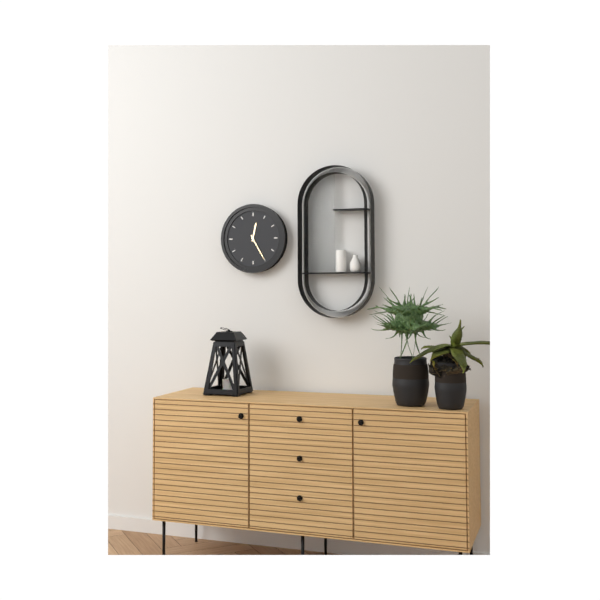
12:25
